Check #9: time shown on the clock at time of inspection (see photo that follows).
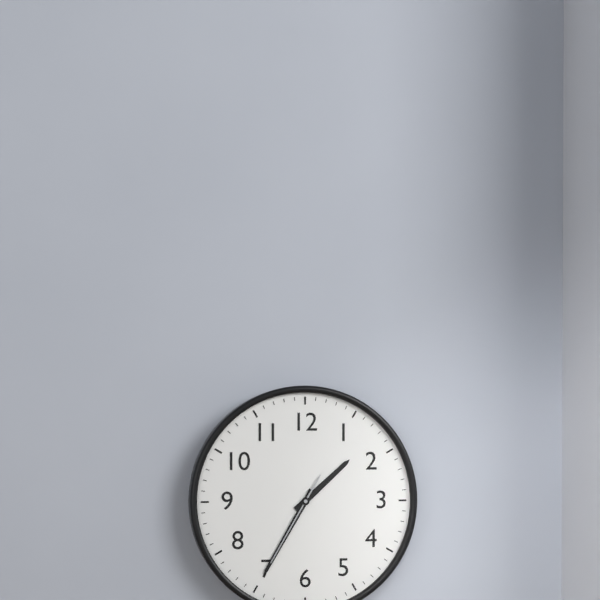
1:35:35
